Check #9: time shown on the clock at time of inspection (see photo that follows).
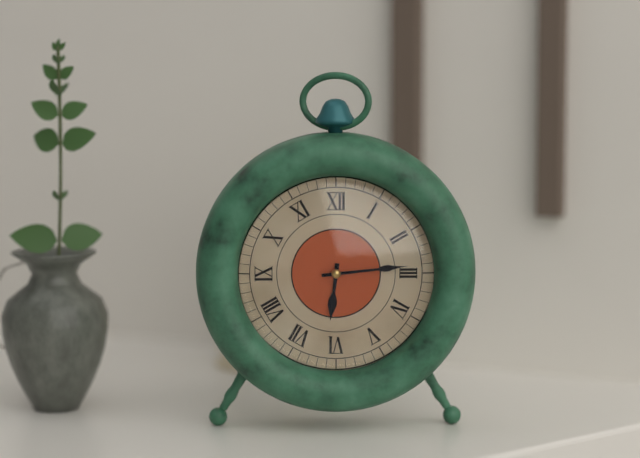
6:14
